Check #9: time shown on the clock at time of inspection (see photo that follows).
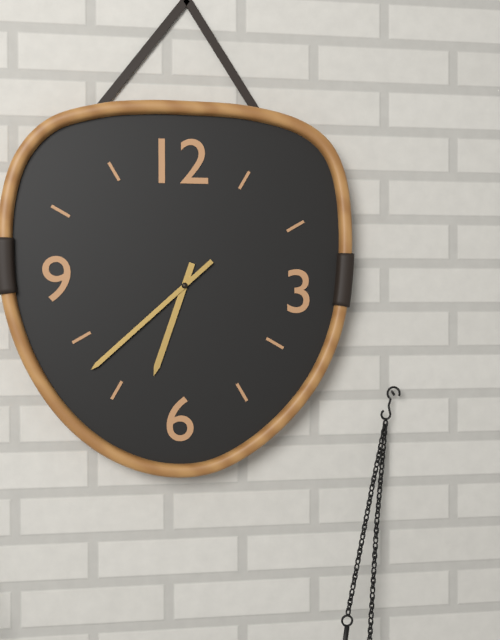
6:38
